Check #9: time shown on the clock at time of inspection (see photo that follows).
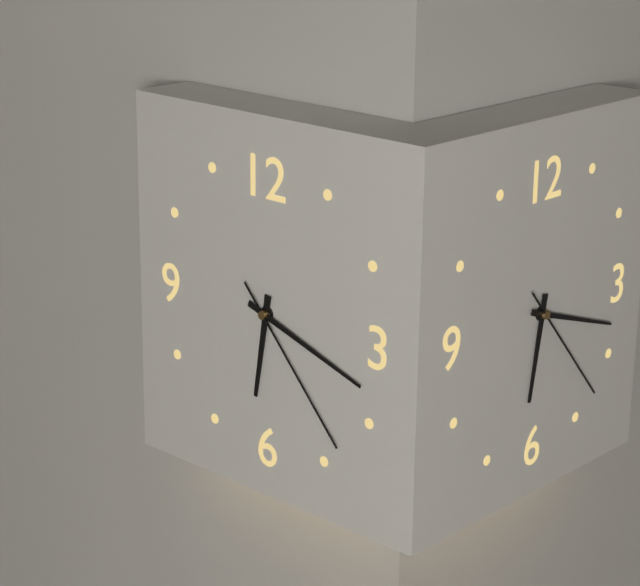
6:18:23
